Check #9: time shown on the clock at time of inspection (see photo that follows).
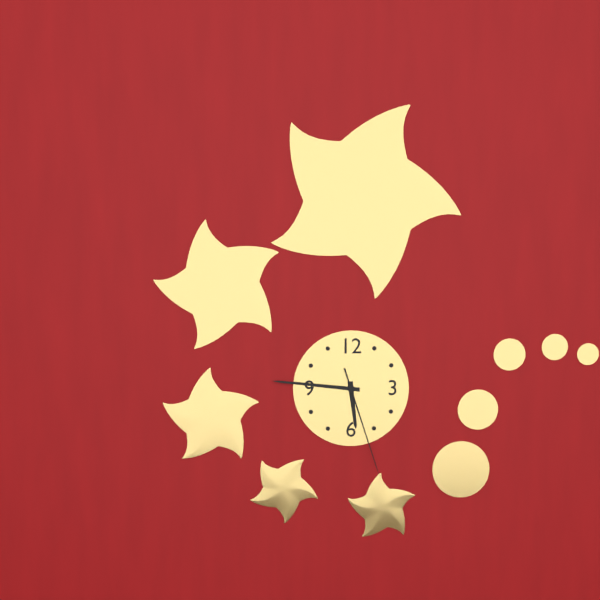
5:46:27
